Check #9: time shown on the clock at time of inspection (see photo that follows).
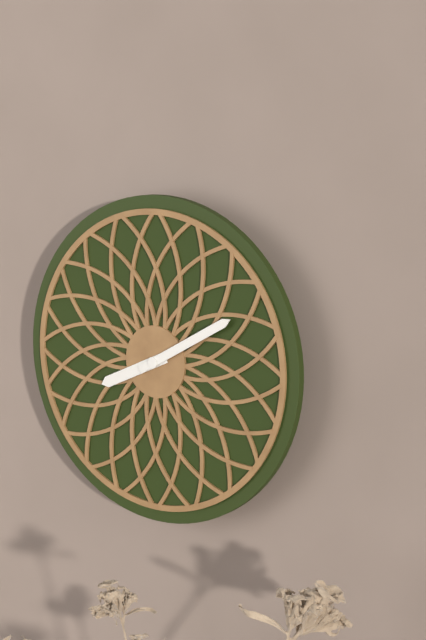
8:10
